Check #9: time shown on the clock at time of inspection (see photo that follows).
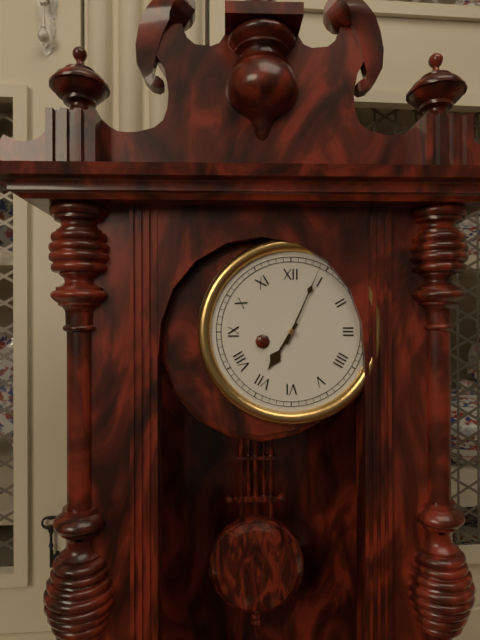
7:04
